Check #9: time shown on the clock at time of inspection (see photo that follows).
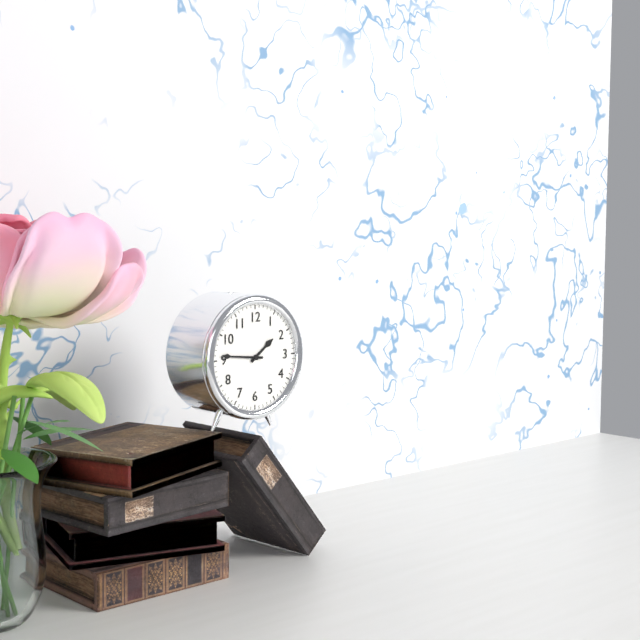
1:46
